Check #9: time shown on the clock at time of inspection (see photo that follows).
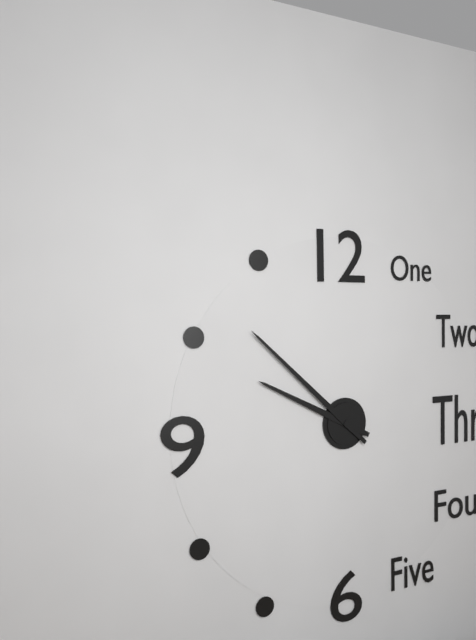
9:52
